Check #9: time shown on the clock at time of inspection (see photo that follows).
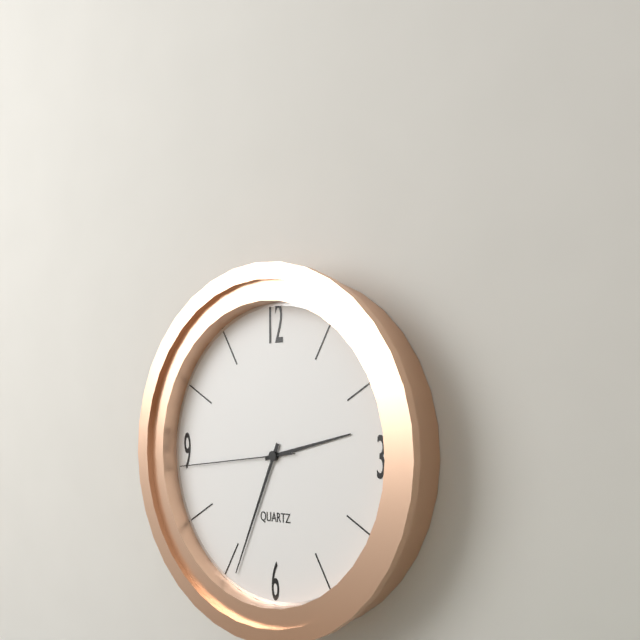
2:34:44
